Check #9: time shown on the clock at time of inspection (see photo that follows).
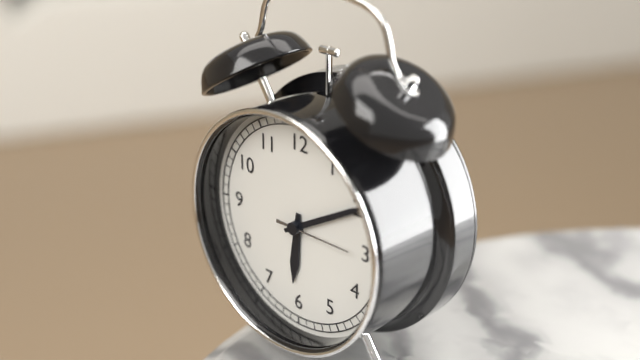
6:10:15
